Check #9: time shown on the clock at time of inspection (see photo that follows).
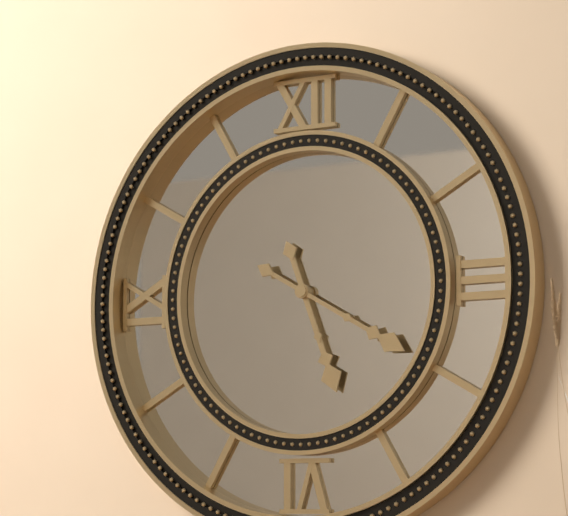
5:20
